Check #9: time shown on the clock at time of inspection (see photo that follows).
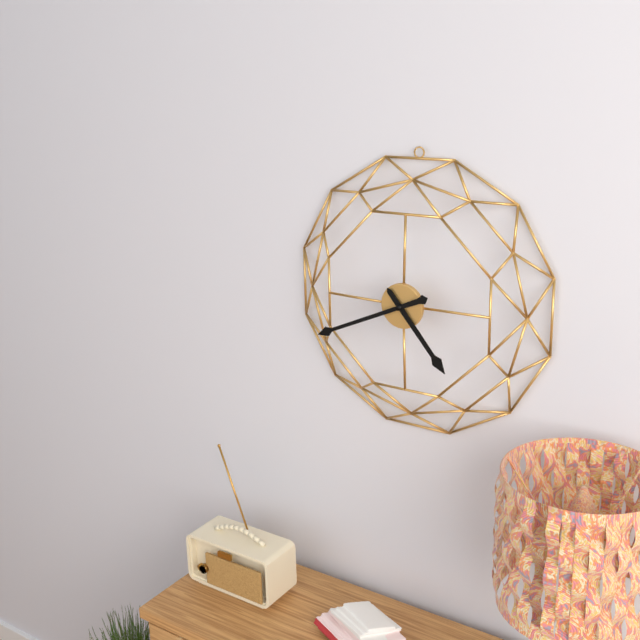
4:41
